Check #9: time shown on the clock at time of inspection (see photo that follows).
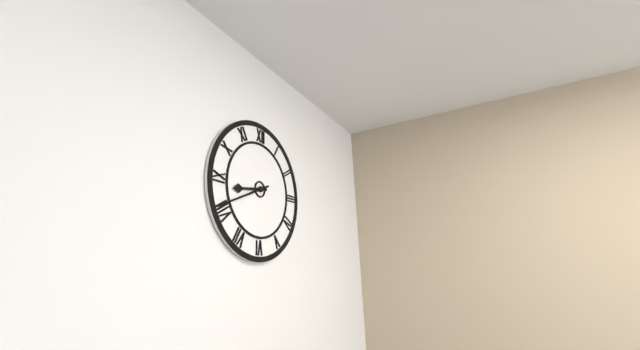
8:41
